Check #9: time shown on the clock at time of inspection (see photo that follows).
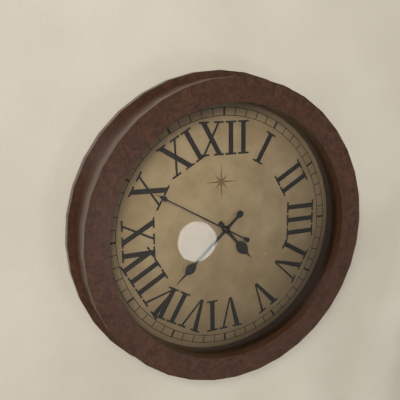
4:38:50
